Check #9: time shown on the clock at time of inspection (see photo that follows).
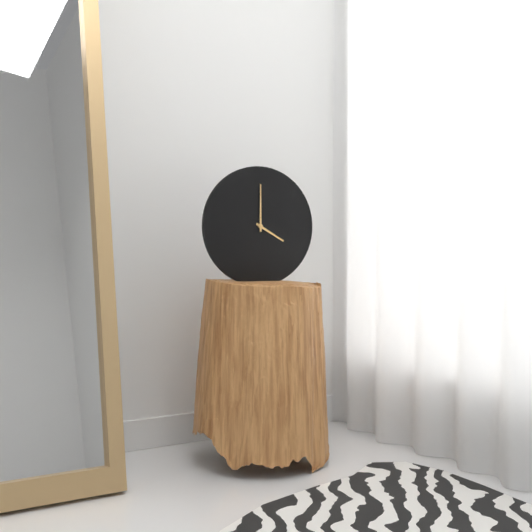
4:00
